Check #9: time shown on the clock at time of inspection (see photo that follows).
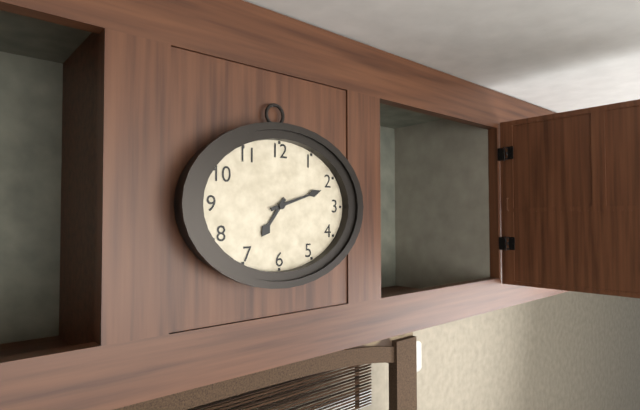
7:12
